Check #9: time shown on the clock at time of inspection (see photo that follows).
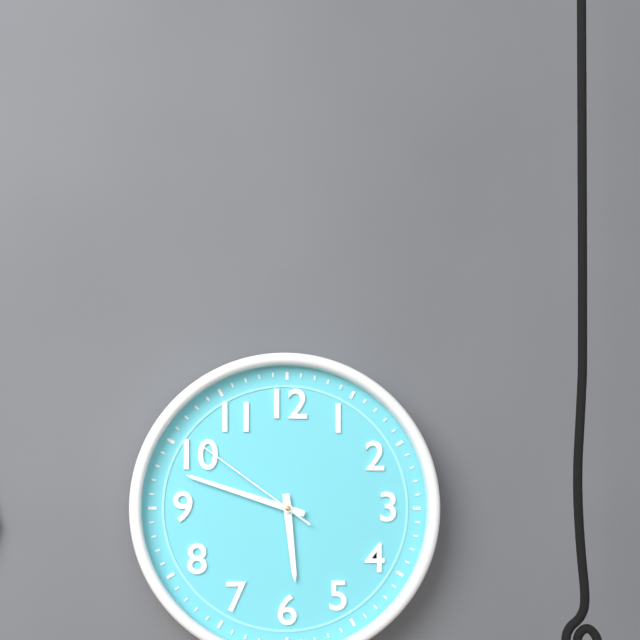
5:48:51
